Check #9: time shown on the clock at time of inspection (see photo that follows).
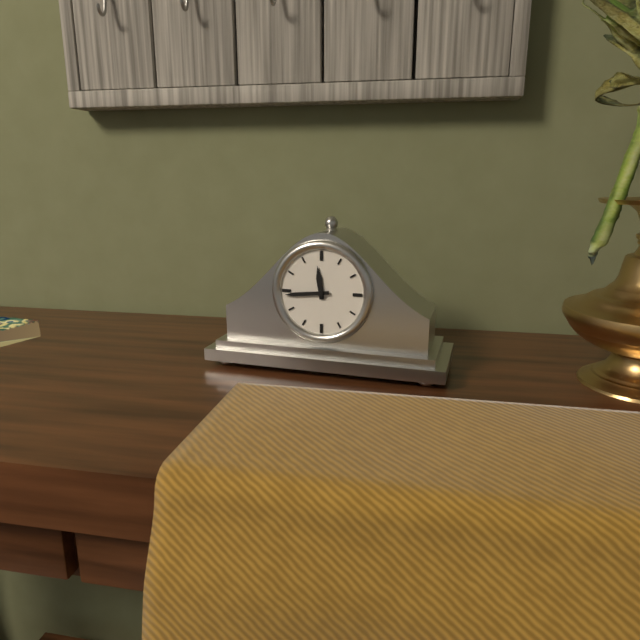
11:44
